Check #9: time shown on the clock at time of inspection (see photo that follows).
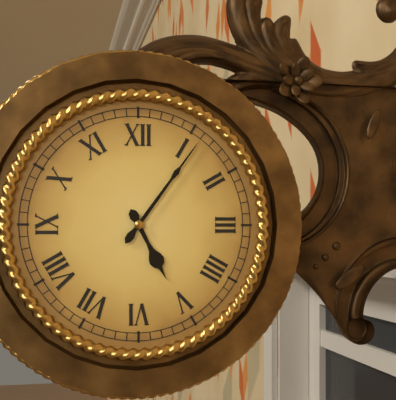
5:06
